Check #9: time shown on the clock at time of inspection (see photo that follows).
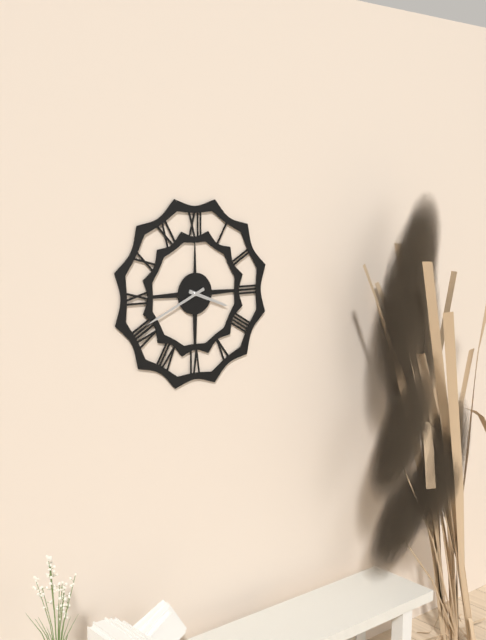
3:41
